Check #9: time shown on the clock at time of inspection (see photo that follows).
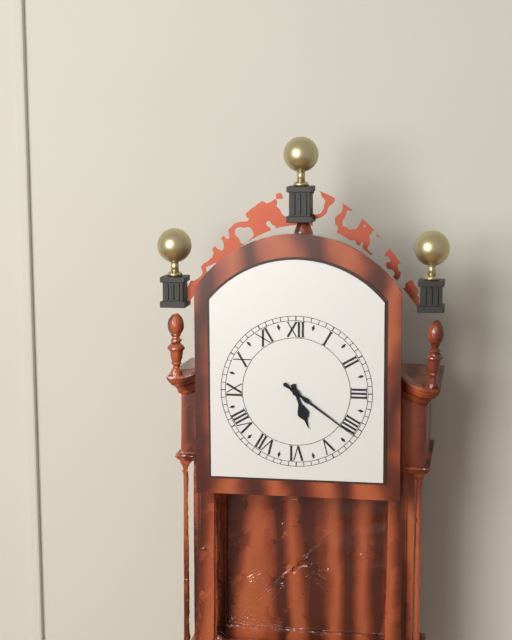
5:21
